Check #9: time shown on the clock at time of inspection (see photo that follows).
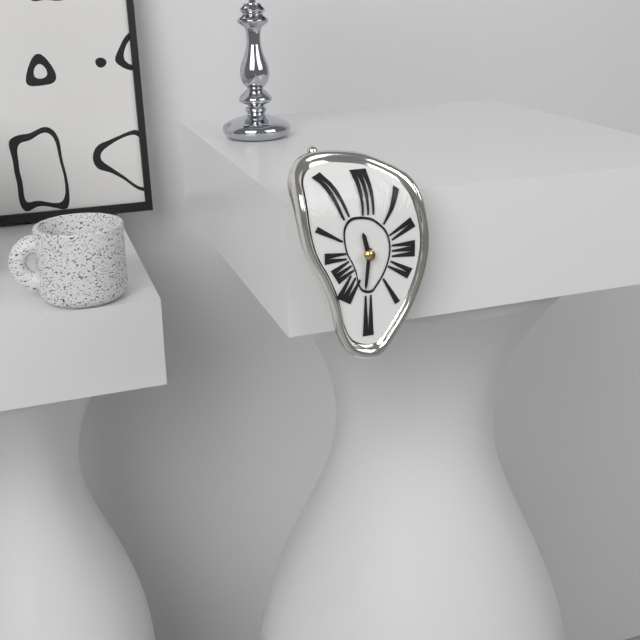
11:31
